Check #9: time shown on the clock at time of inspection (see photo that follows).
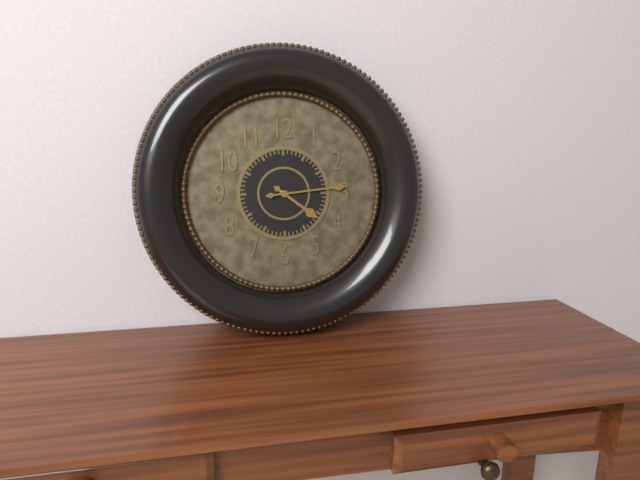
4:14
